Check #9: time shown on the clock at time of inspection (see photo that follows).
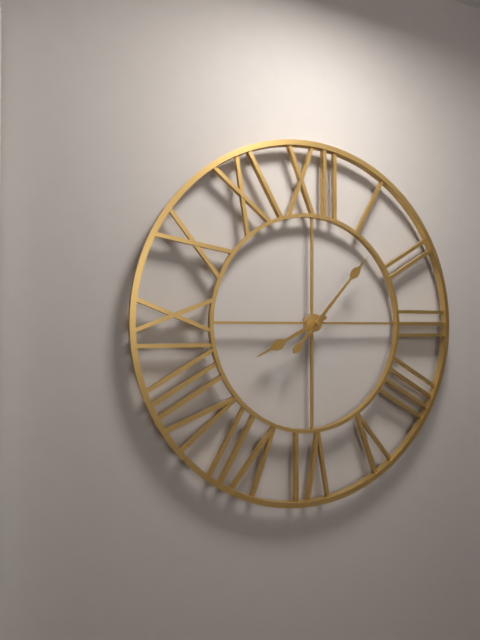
8:07
